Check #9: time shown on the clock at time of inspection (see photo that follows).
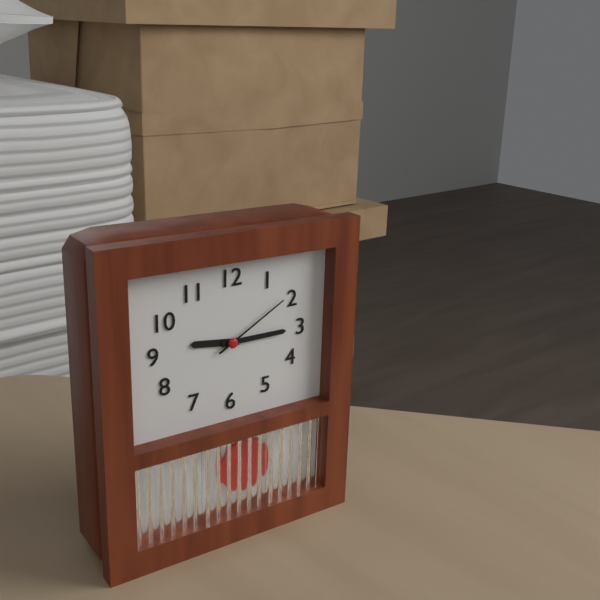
9:15:10
